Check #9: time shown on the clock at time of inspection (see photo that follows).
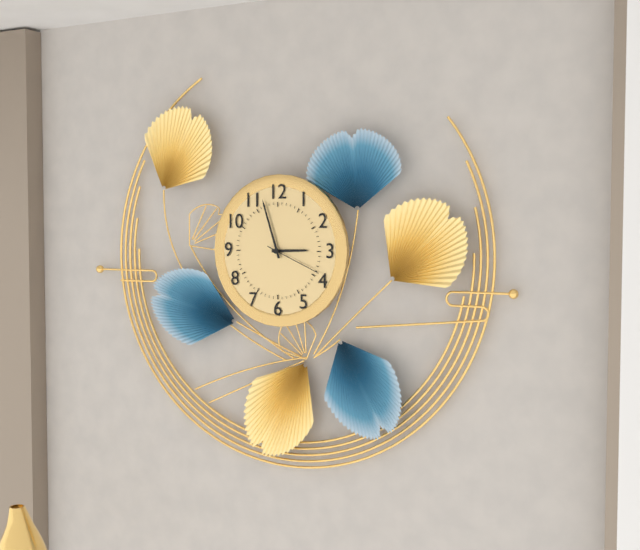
2:57:19
